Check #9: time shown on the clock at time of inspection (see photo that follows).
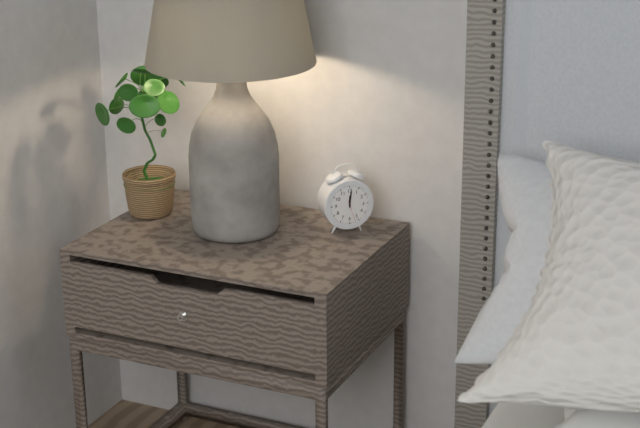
12:01
